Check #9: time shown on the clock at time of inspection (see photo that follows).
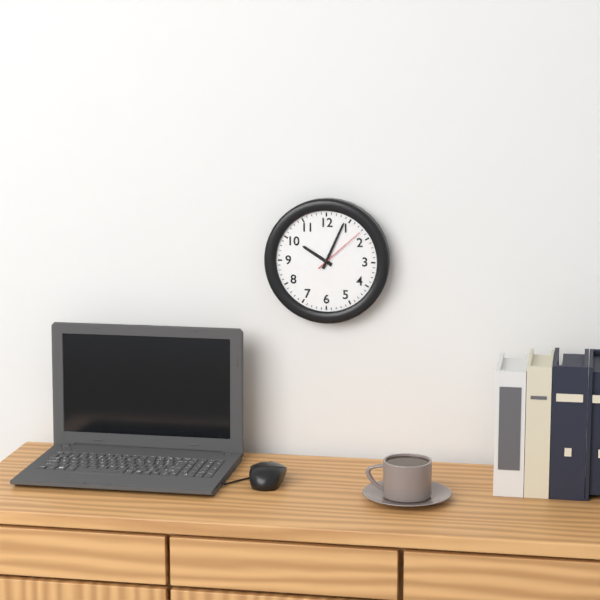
10:04:08
